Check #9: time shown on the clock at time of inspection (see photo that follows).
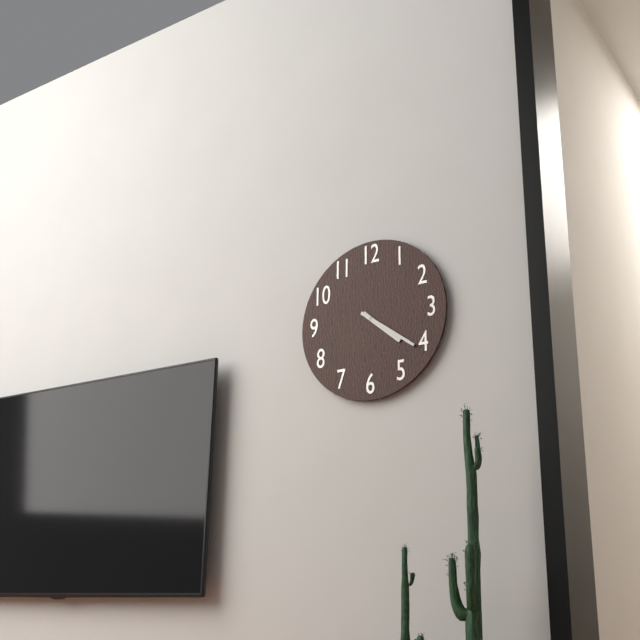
4:21
